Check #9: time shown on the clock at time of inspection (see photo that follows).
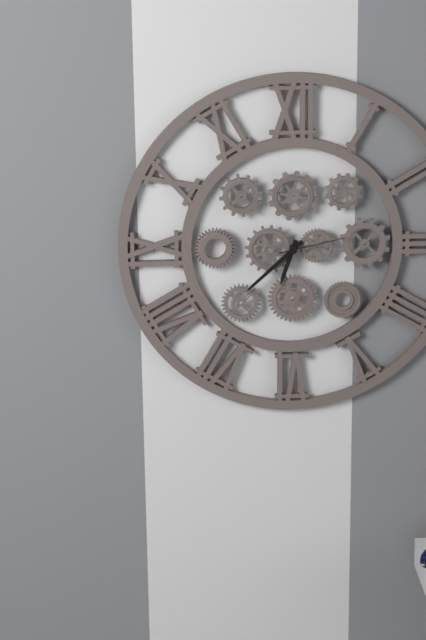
6:38:13
